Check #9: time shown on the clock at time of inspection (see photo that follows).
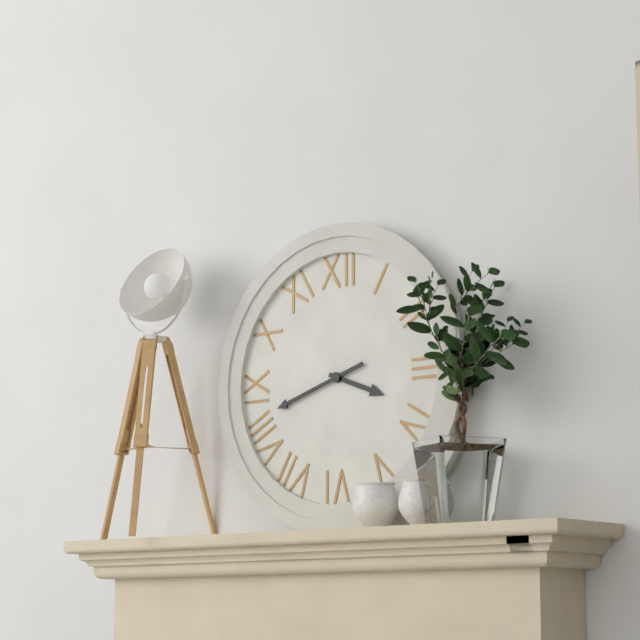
3:42
